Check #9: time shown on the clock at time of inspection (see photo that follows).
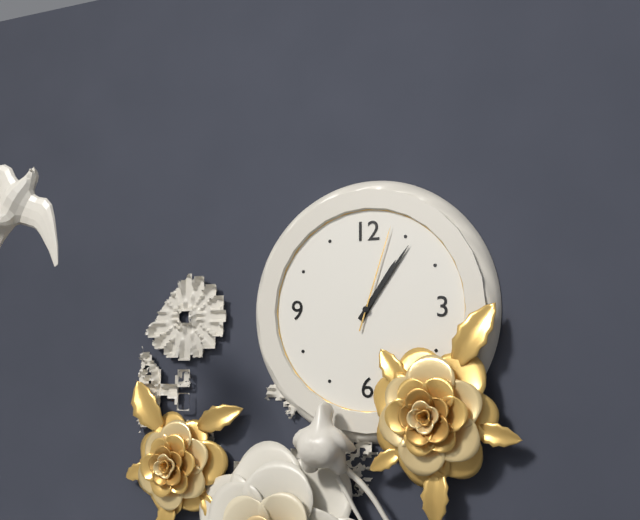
1:06:03
